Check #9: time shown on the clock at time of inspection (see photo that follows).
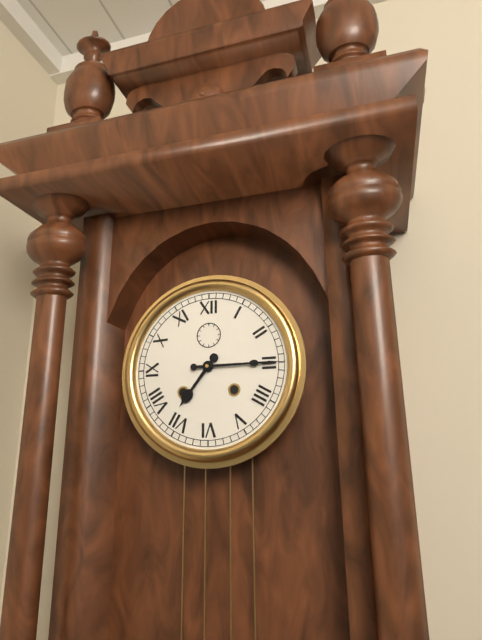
7:15
